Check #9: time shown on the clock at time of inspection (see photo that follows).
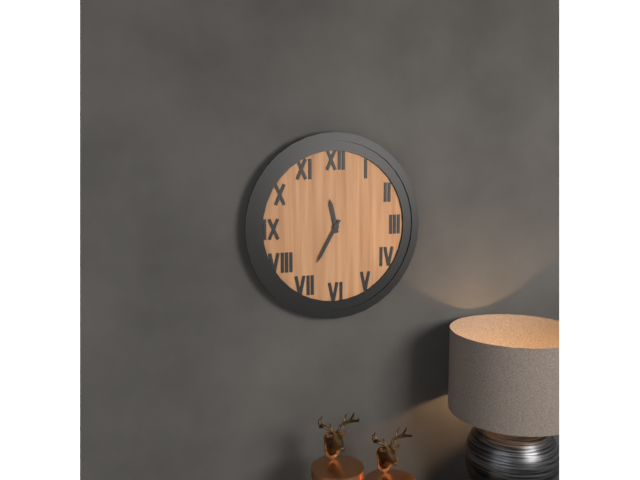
11:35
